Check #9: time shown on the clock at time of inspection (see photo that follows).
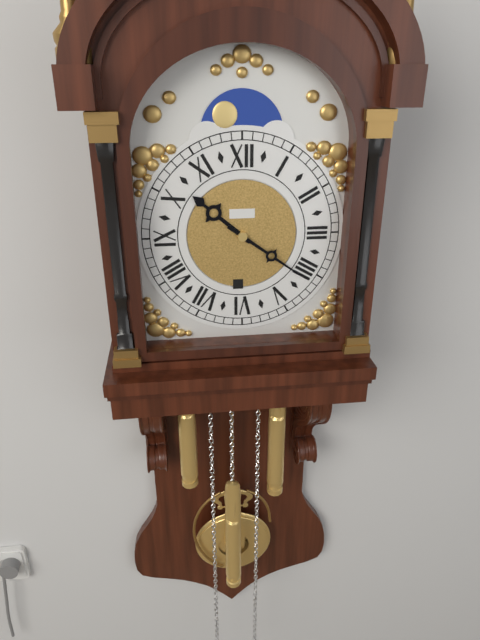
10:21
